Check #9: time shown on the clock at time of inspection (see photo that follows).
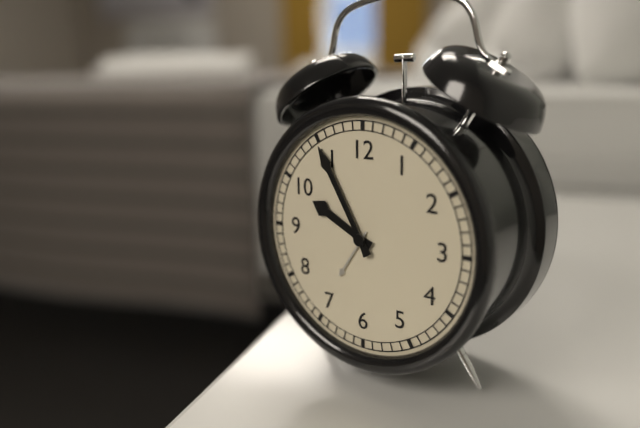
9:55
